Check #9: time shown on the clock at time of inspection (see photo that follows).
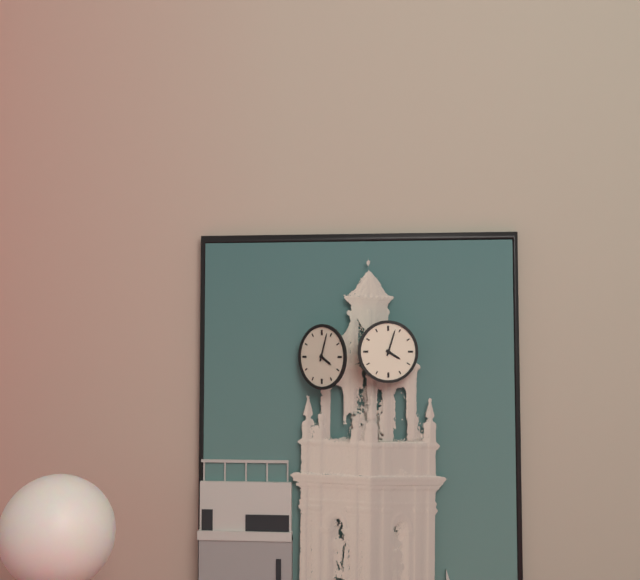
4:03
